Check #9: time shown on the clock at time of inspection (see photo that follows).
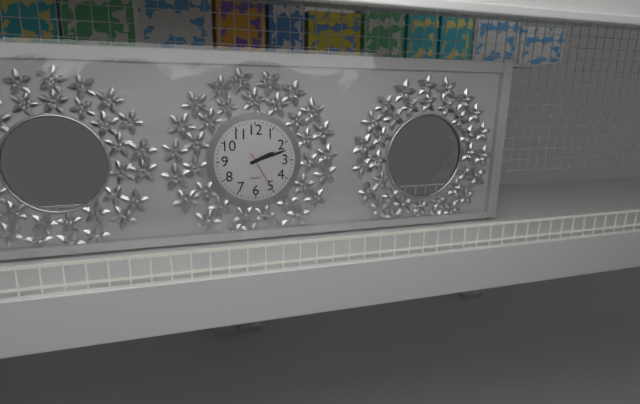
2:12
